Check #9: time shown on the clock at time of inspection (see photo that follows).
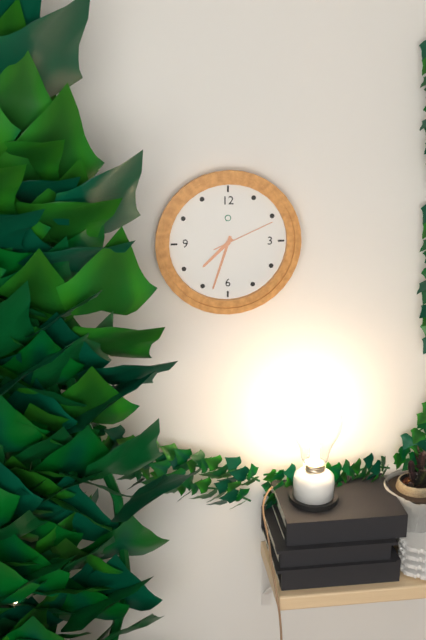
7:33:11
